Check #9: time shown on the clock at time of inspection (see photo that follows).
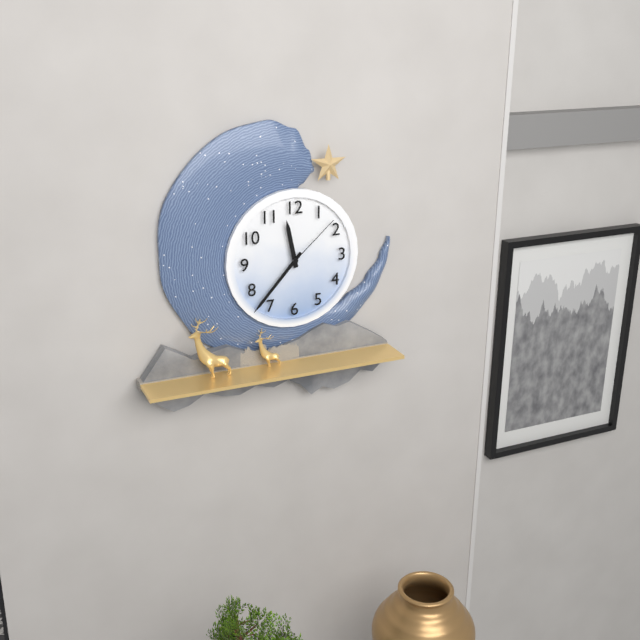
11:37:08
